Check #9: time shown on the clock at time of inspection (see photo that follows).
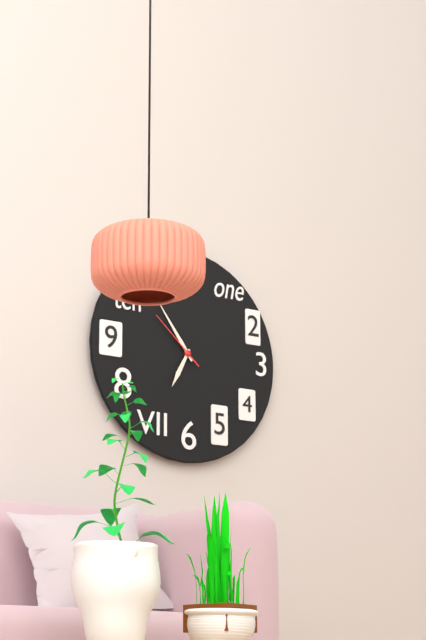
6:54:52
